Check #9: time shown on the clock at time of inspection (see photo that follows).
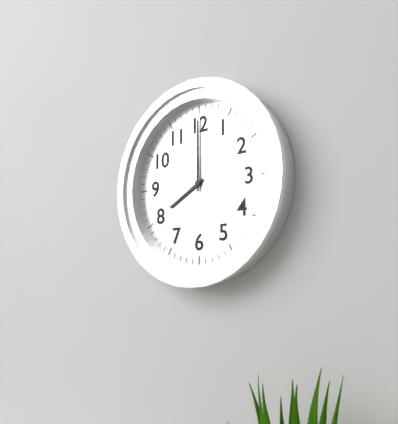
8:00
